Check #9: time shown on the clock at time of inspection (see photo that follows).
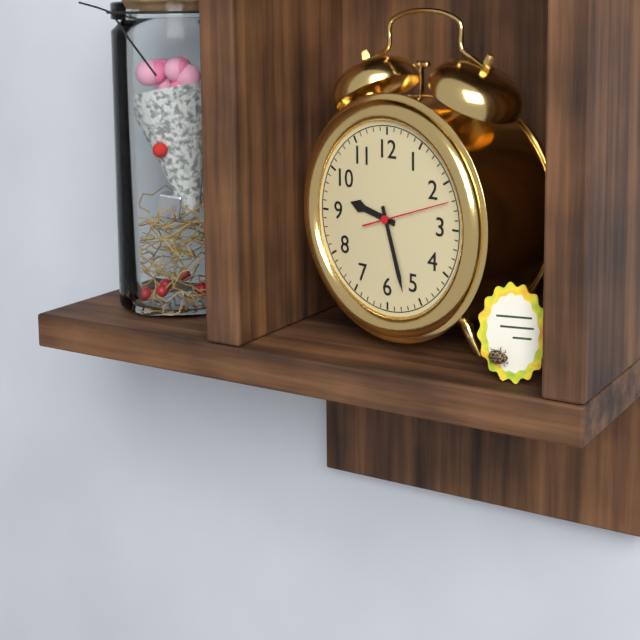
9:27:12
